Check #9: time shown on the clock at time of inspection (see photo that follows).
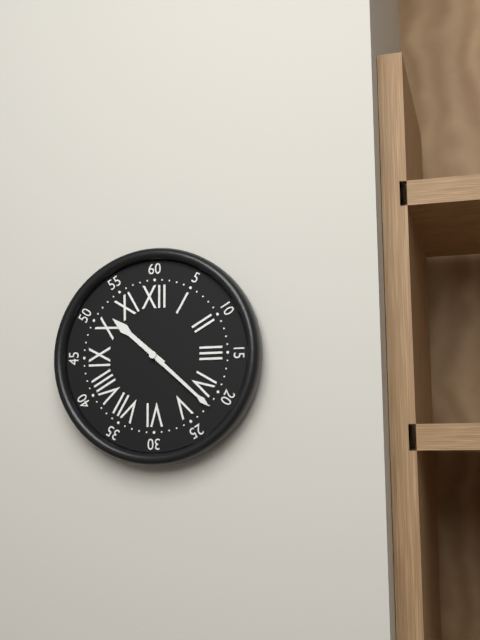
10:22
